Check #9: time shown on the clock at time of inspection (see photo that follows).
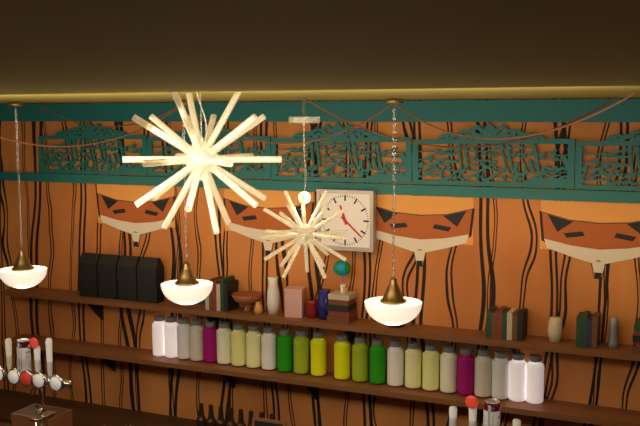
11:22
